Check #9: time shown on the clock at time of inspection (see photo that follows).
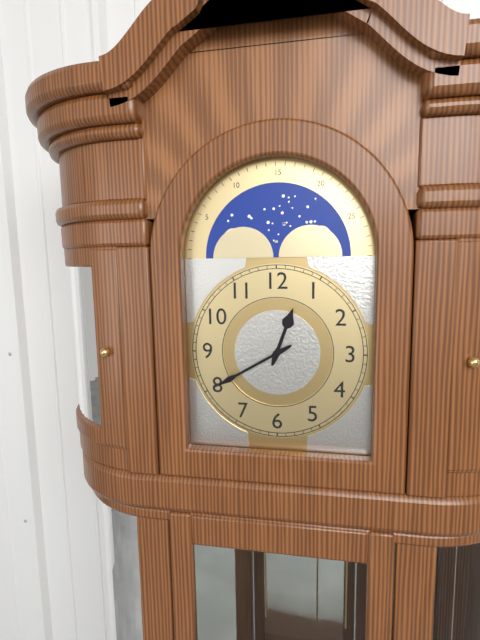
12:40
